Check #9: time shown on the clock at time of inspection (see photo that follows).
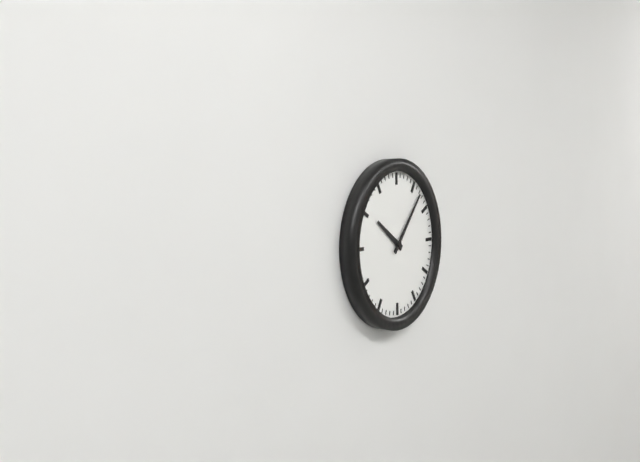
10:07
